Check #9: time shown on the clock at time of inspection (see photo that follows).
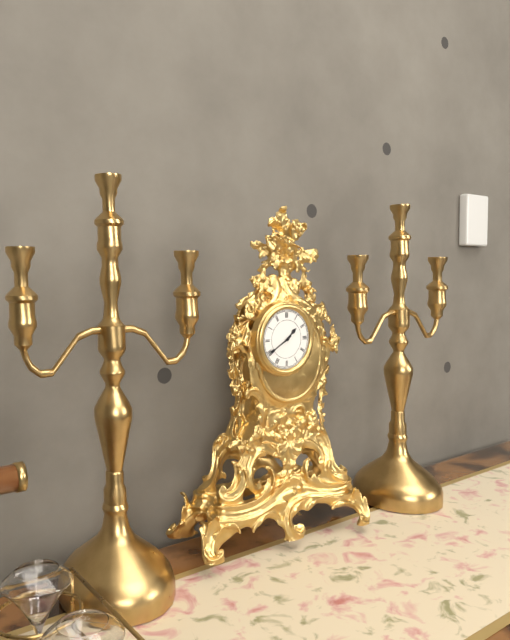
1:40
